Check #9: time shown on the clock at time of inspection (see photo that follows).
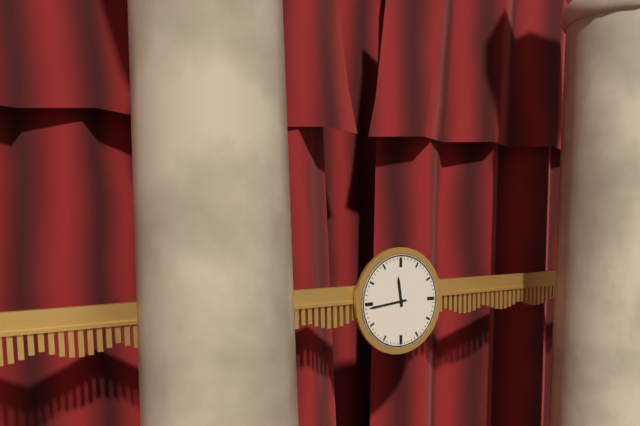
11:44
